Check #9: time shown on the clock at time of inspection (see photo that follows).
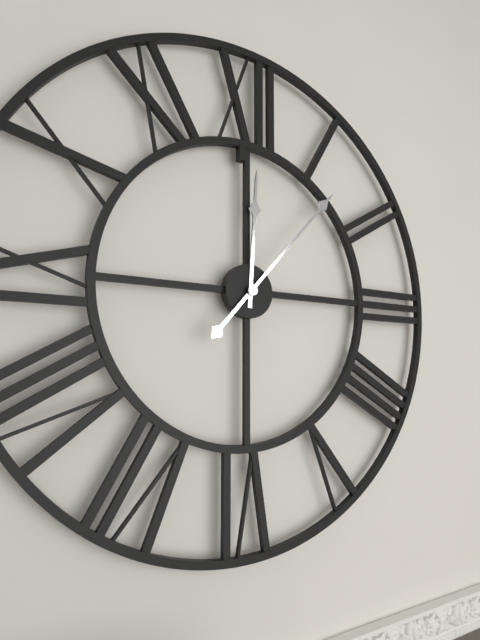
12:07
